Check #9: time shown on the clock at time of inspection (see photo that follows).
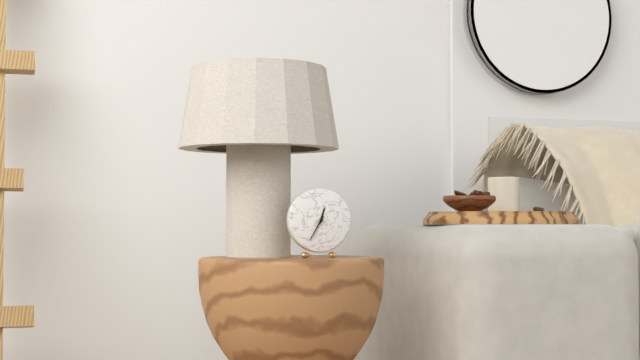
12:35
